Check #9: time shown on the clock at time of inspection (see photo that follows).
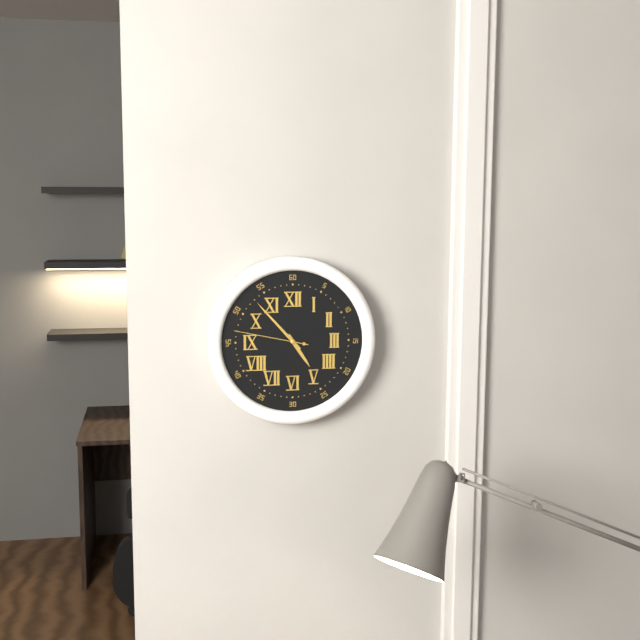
4:53:47
